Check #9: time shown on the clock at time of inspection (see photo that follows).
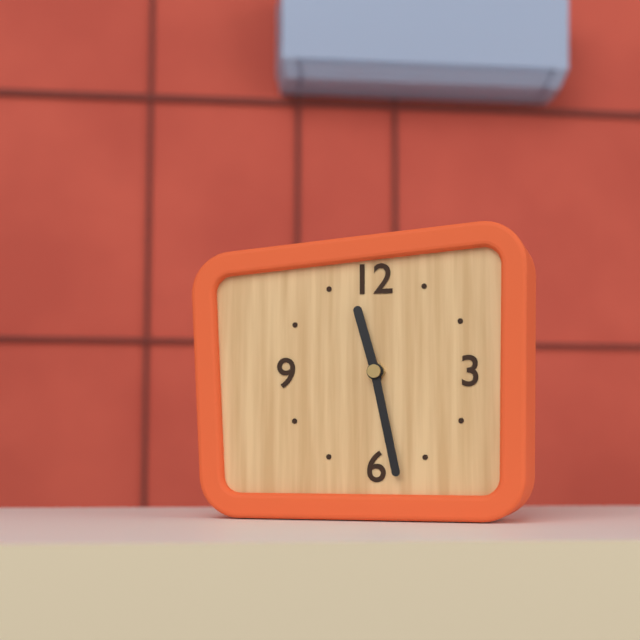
11:28
